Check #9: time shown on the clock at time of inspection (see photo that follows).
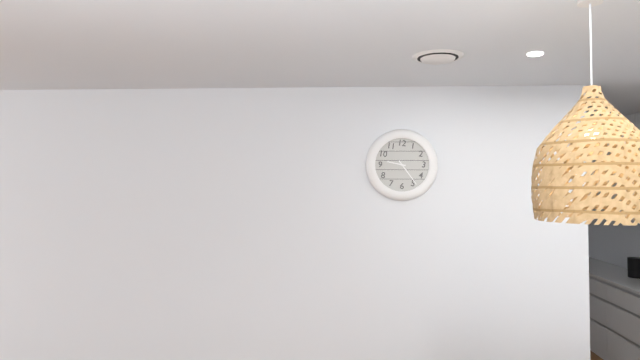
9:24
